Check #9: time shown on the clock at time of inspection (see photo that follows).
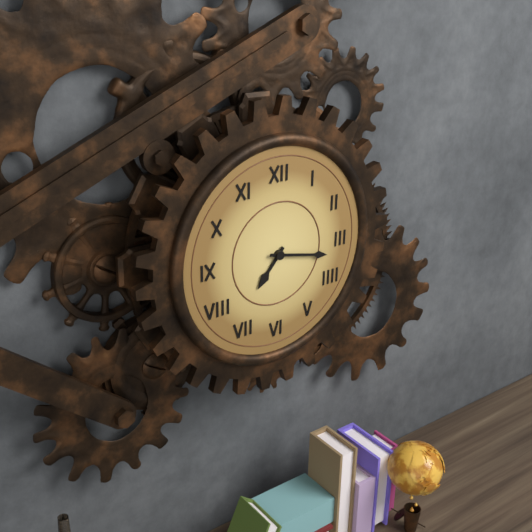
7:17
